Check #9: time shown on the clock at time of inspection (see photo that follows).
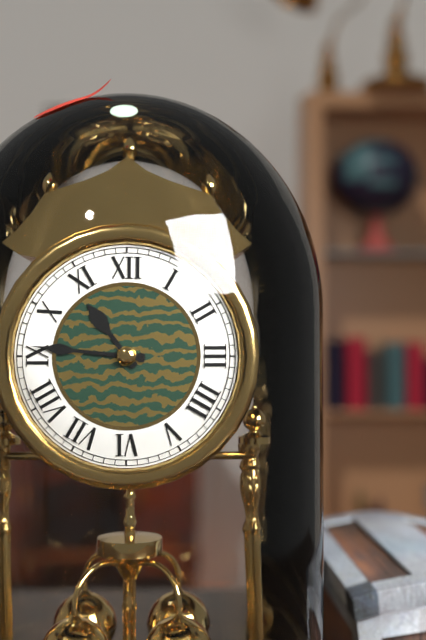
10:46
